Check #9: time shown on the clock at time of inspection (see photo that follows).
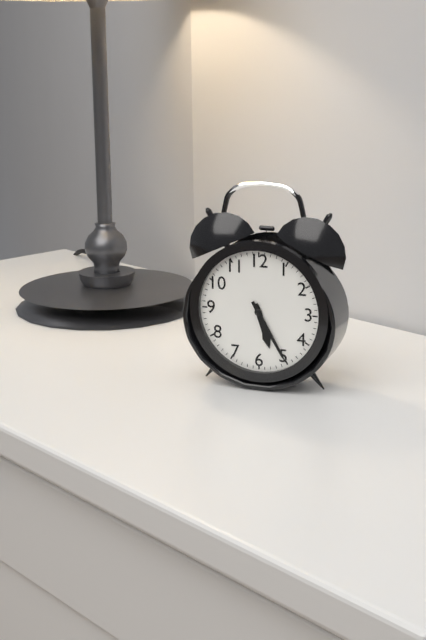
5:25
